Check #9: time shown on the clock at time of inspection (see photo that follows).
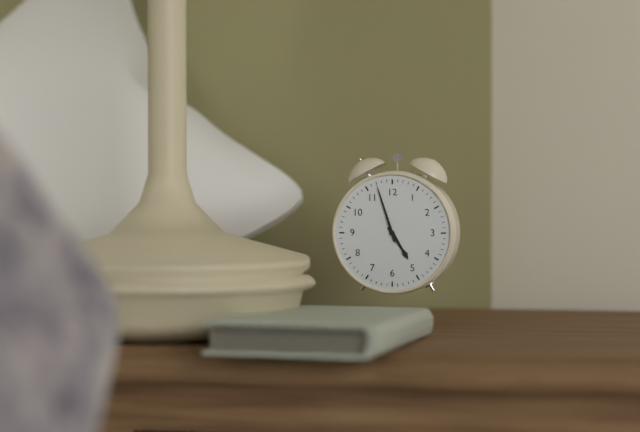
4:57
